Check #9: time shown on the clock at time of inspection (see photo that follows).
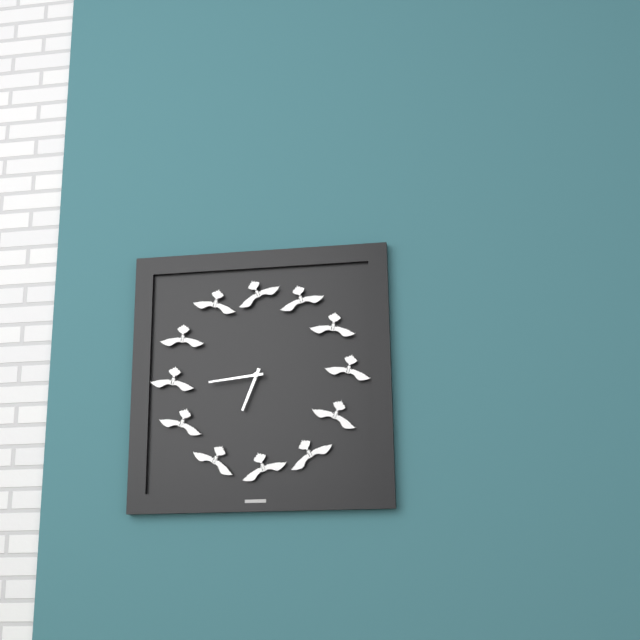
6:44
